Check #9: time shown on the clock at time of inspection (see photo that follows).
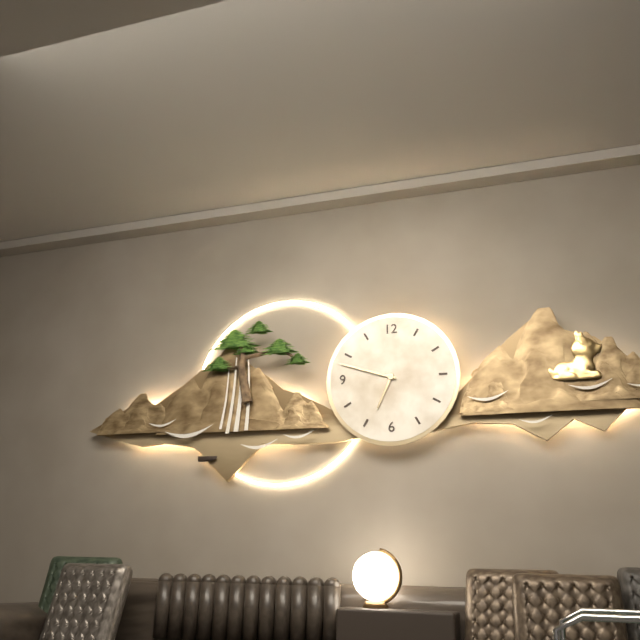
6:48
